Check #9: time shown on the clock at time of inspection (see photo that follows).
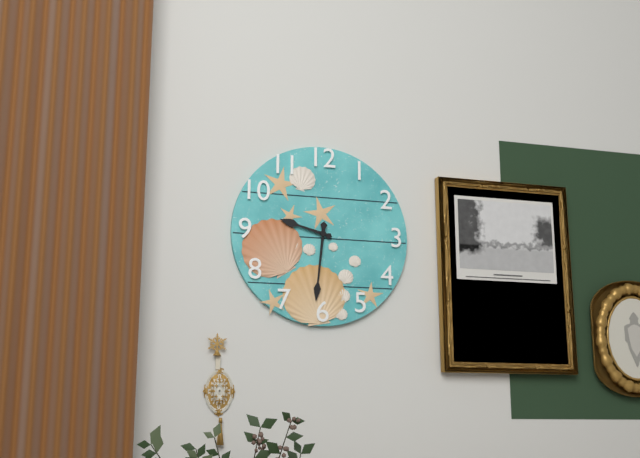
9:31
